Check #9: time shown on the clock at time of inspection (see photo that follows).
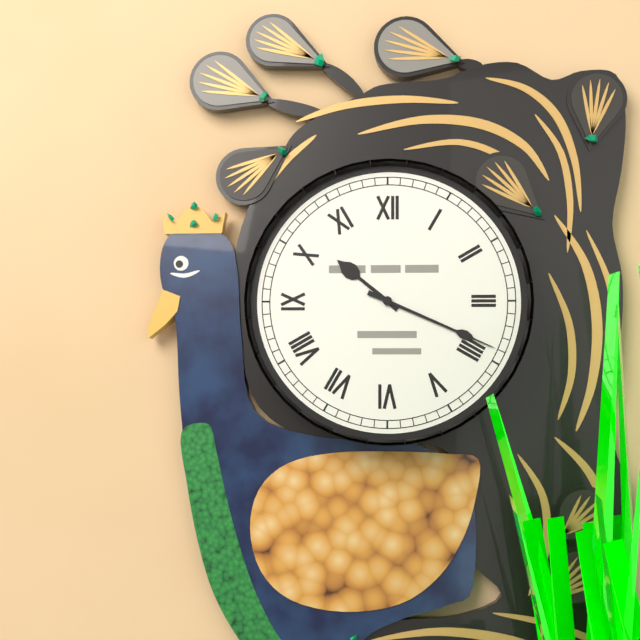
10:19
